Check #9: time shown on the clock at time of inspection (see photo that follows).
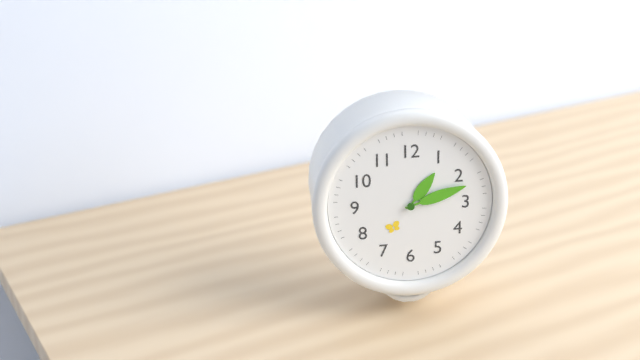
1:12
